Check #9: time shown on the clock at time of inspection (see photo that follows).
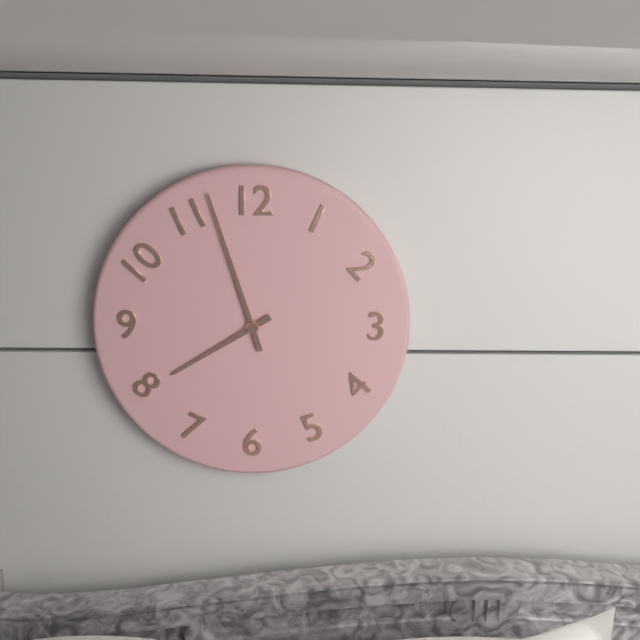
7:57
